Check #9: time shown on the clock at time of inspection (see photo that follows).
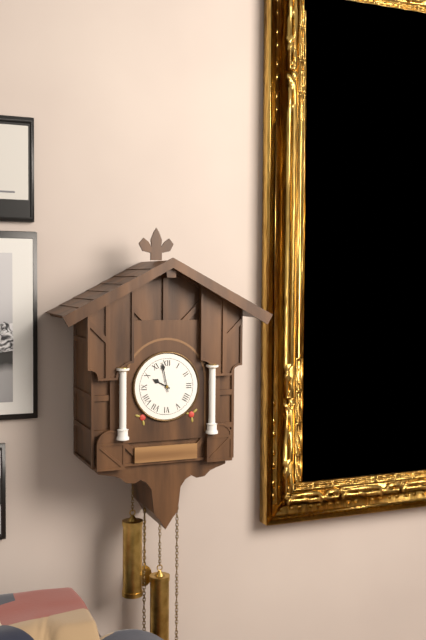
9:58
